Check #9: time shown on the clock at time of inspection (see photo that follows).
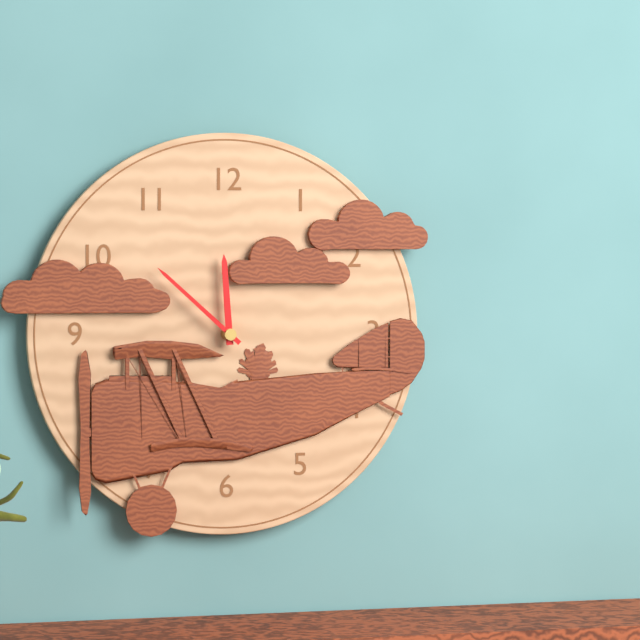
11:52
